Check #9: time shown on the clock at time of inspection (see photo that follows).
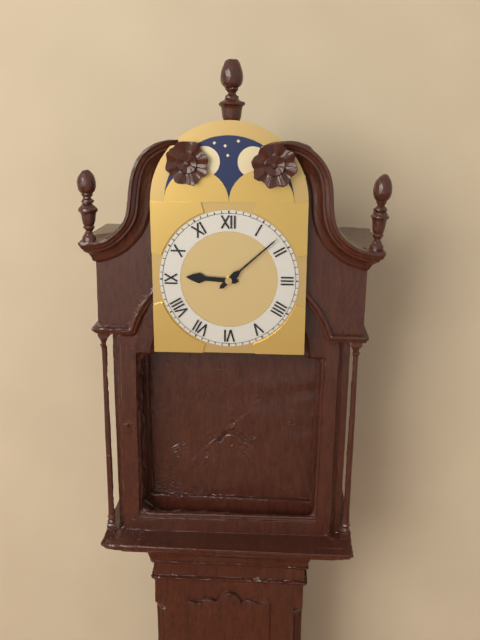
9:08
